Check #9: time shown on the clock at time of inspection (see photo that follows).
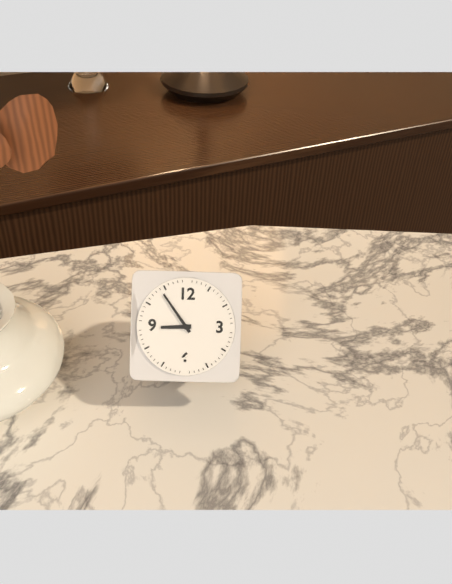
8:54
